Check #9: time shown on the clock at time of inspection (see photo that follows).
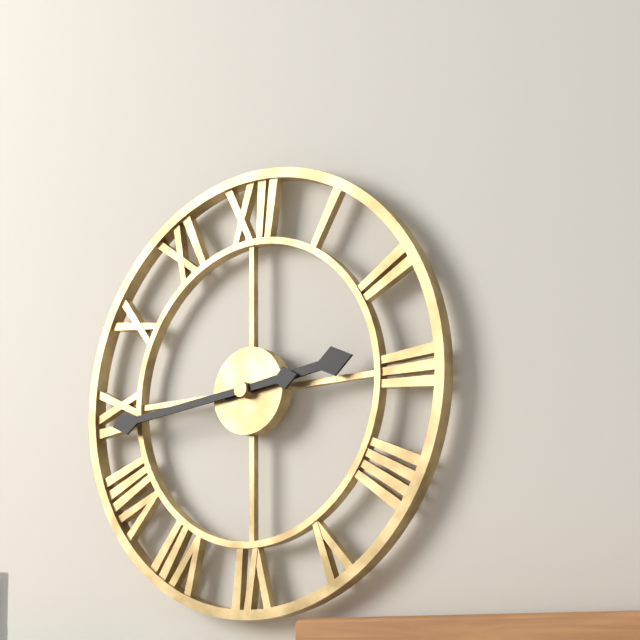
2:44
